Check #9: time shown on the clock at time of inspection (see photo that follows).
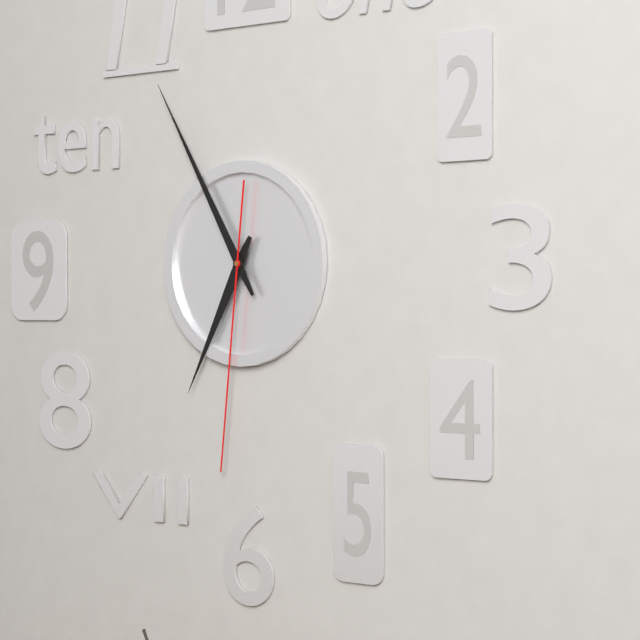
6:55:31
